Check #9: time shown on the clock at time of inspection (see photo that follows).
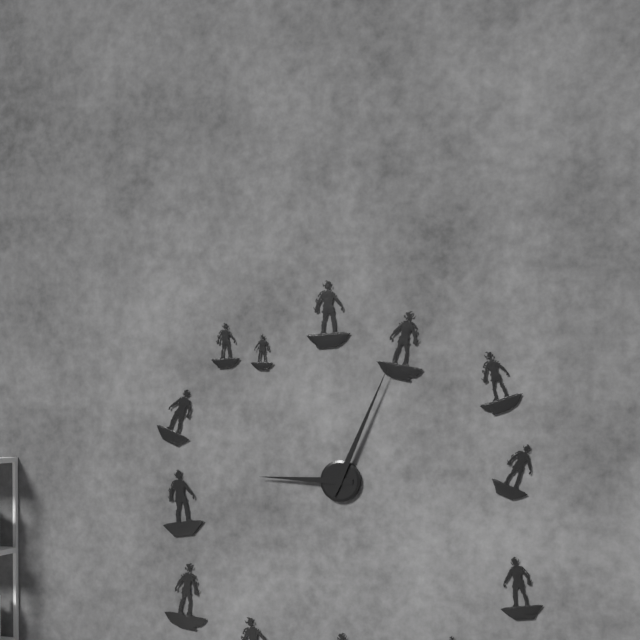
9:04
